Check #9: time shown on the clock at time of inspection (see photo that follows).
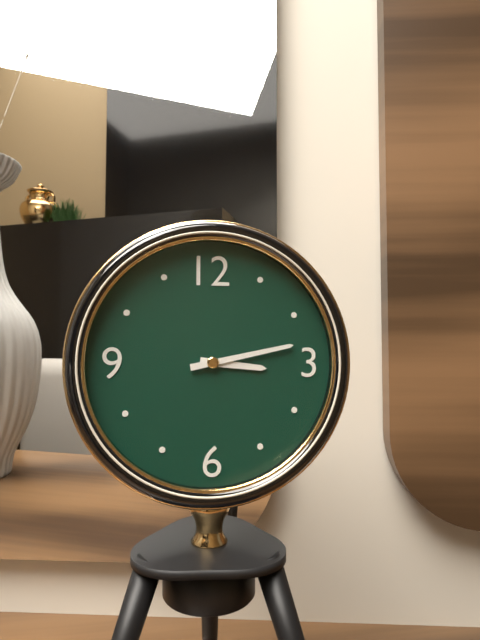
3:13
